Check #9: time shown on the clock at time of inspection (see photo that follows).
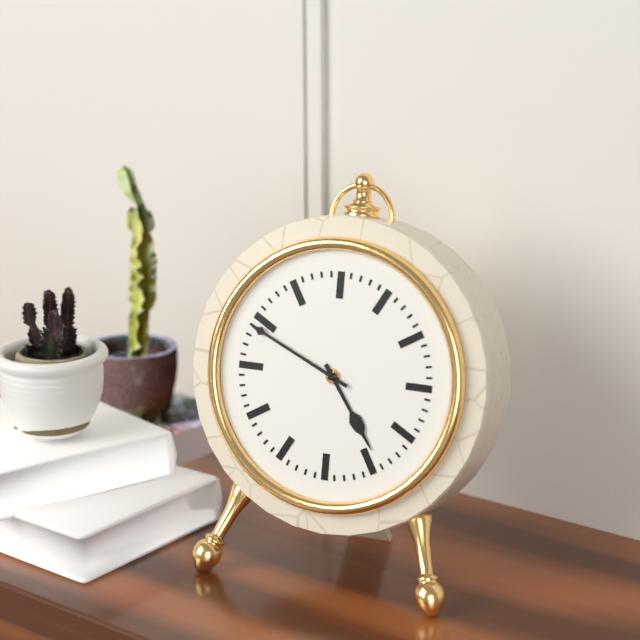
4:49
